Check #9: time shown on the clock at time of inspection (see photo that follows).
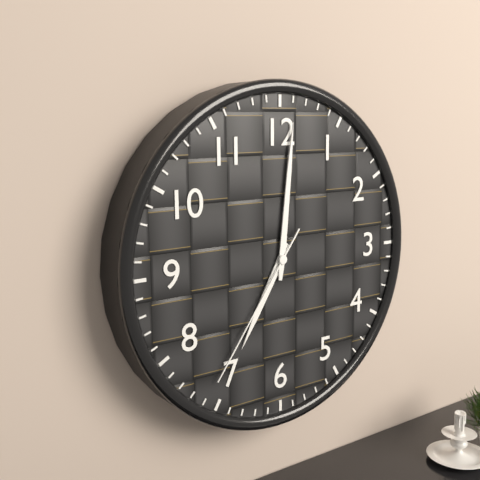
7:01:36
